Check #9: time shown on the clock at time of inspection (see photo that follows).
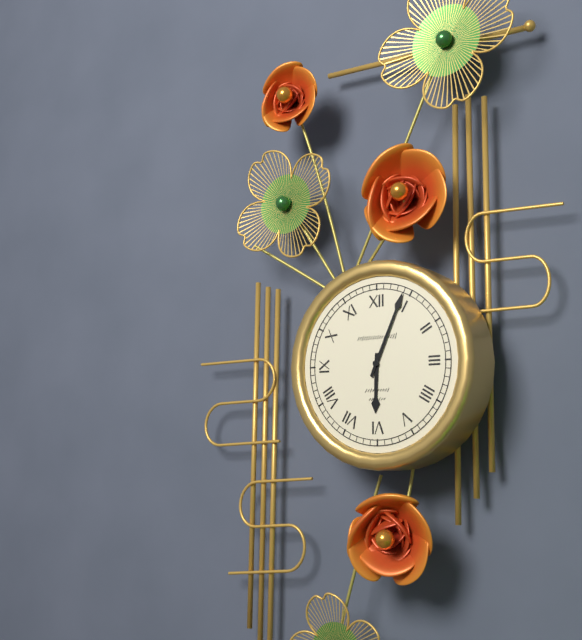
6:04
